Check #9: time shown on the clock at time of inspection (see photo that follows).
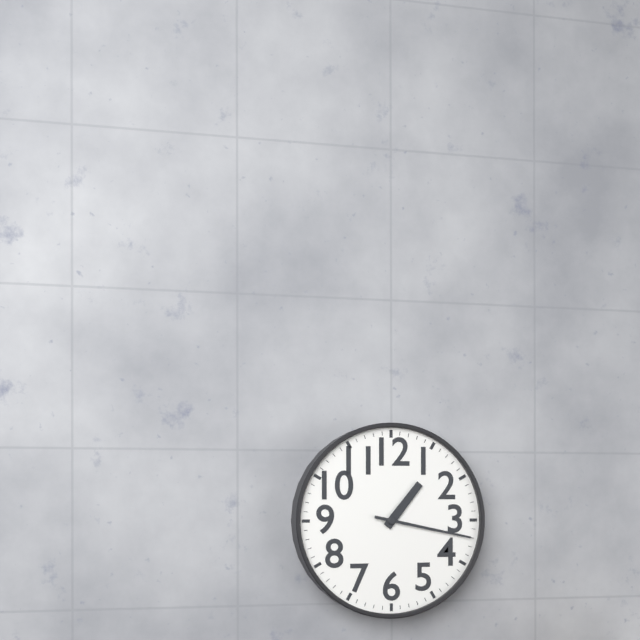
1:17
